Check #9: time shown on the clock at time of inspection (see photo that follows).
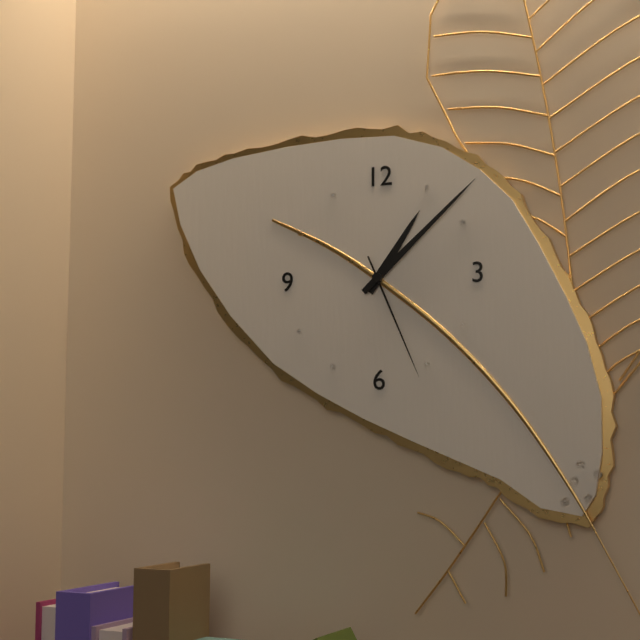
1:08:26
